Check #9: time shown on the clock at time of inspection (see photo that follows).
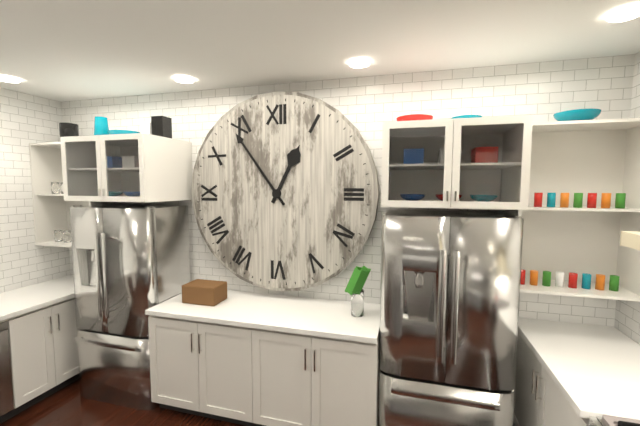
12:54
